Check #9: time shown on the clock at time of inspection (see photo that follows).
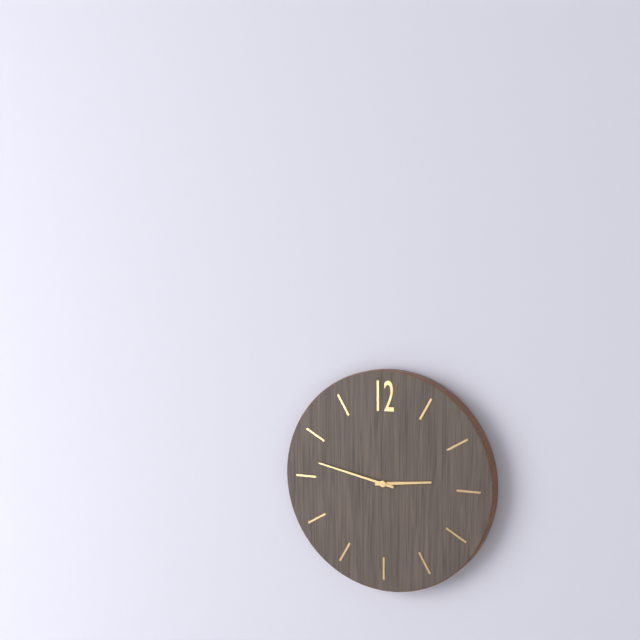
2:47
